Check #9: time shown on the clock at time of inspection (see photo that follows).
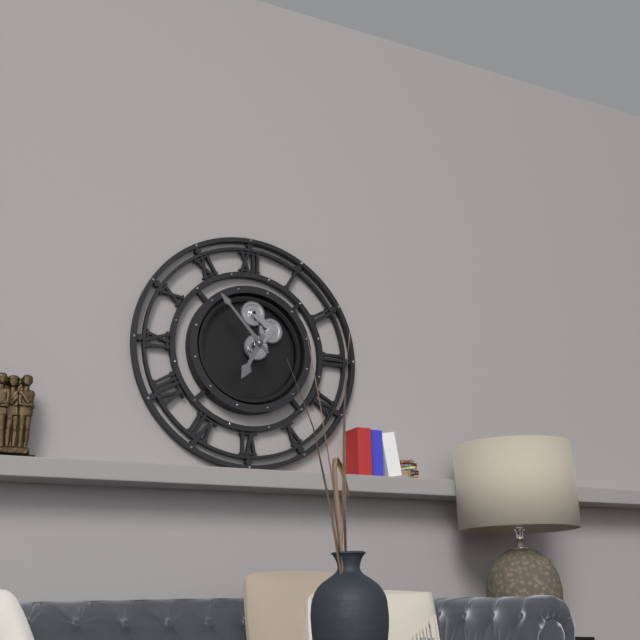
6:53
